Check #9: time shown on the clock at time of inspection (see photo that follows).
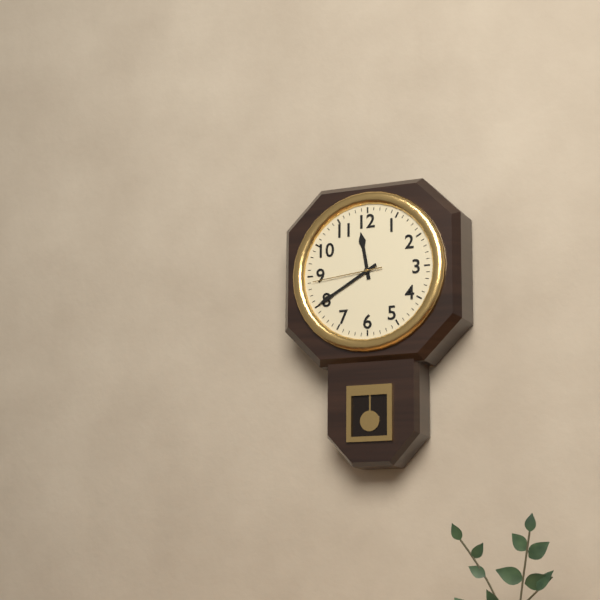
11:40:44
